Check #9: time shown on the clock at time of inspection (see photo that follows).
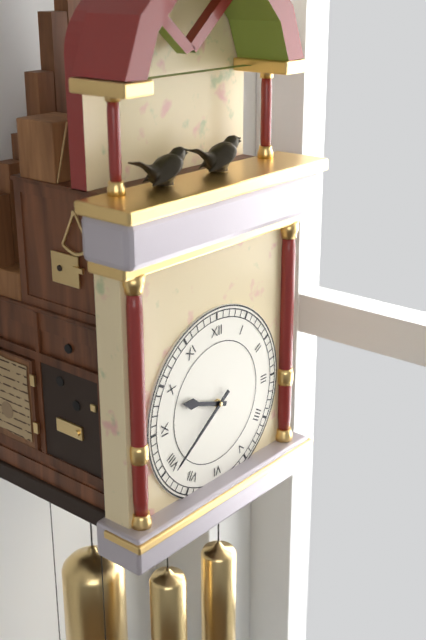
9:39
